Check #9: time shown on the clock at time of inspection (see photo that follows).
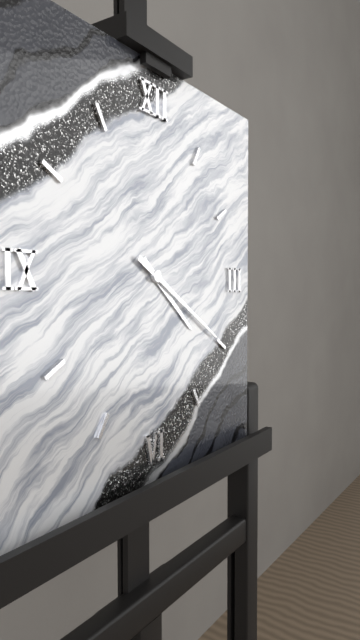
4:20
